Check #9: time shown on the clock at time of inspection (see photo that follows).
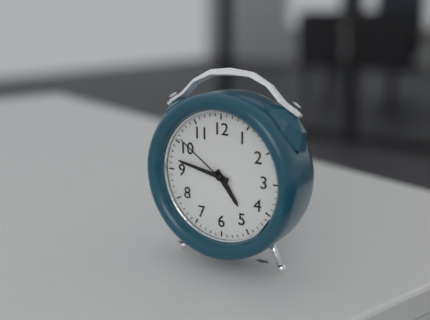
4:47:51
